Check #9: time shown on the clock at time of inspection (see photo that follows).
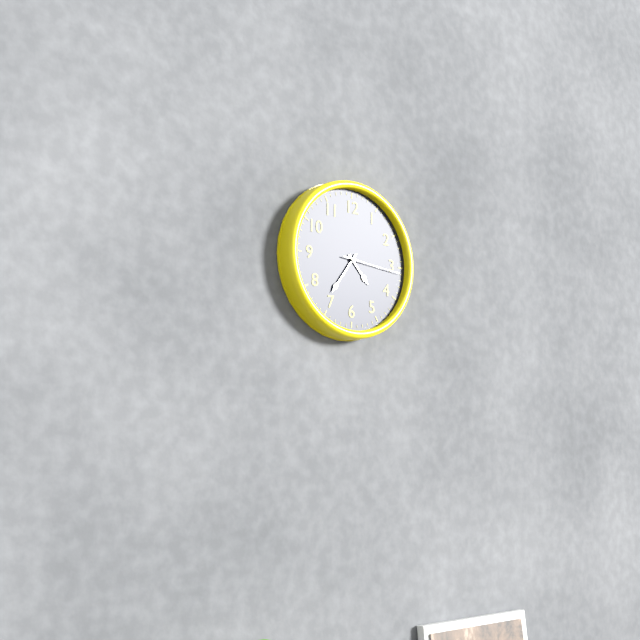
4:36:16
